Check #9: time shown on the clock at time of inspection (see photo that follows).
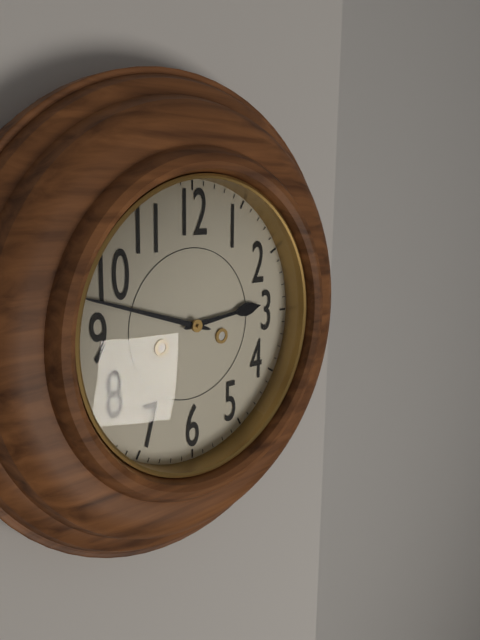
2:48
